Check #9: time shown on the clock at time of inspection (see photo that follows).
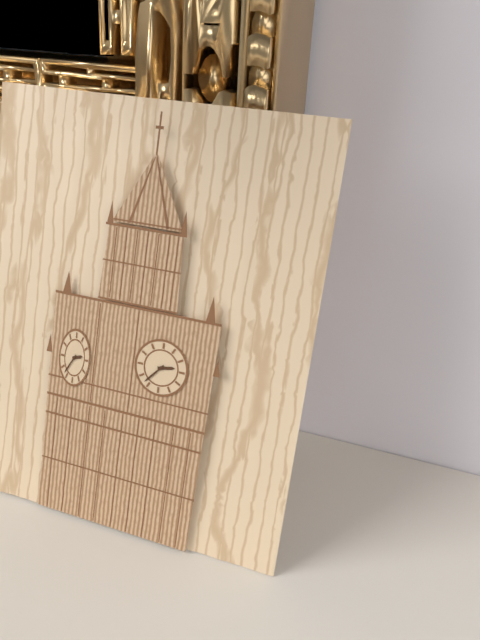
2:37
